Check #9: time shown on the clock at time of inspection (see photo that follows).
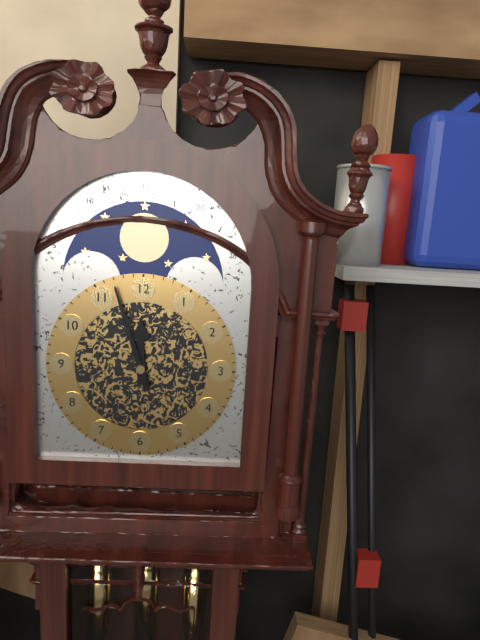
11:57
